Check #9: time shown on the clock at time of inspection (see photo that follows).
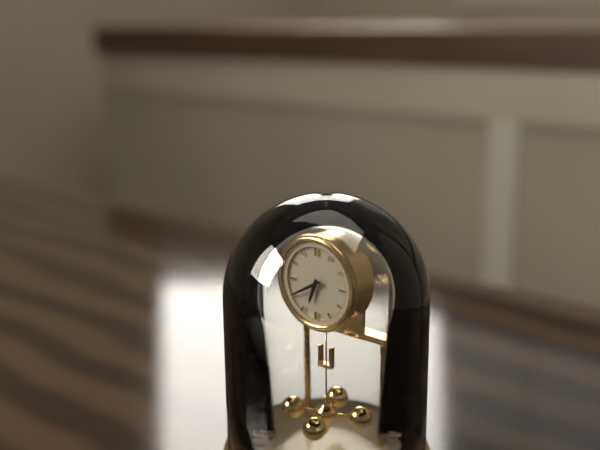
6:40
